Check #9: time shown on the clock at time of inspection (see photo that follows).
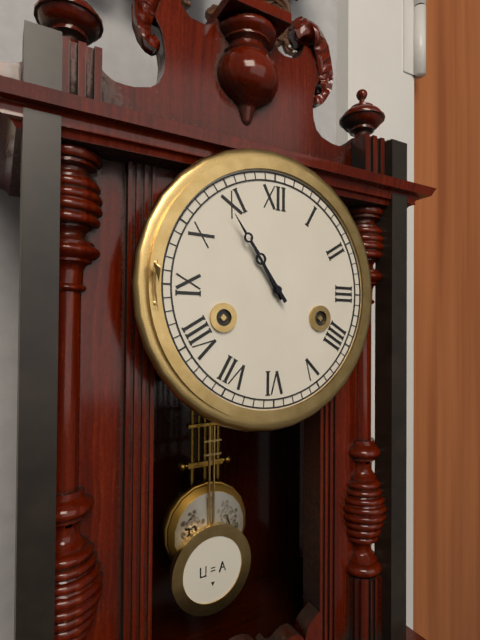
10:54
